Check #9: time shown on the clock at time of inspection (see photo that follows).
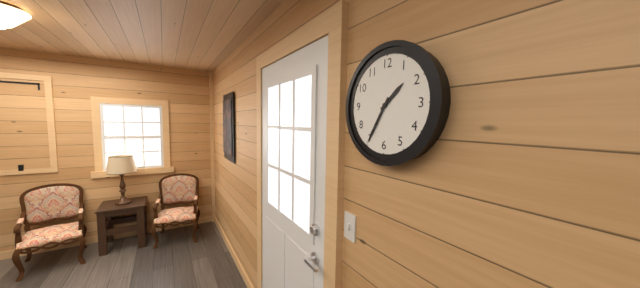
1:35
